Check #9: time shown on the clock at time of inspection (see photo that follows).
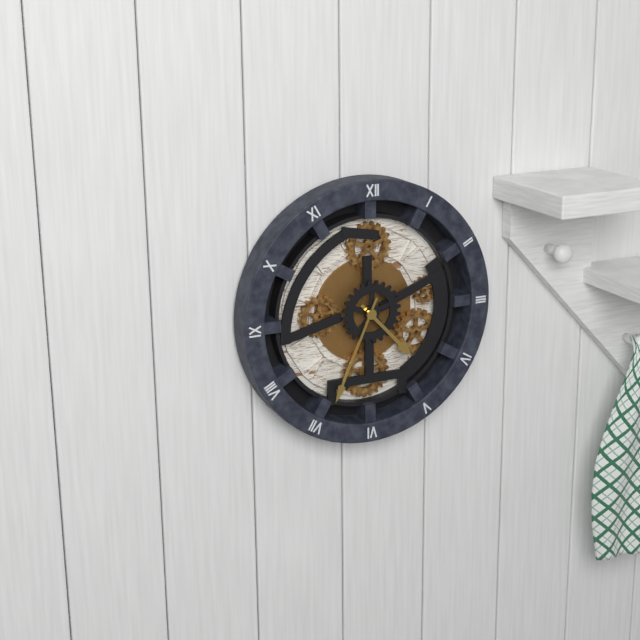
4:34
